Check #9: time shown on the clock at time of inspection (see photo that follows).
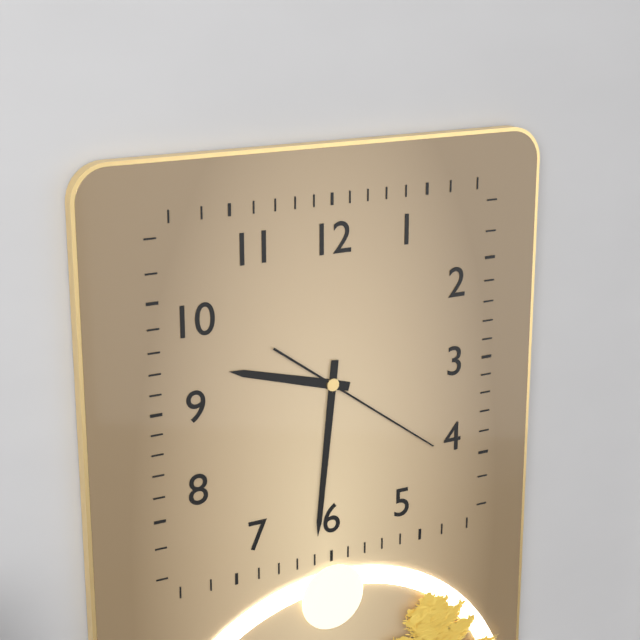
9:31:21
